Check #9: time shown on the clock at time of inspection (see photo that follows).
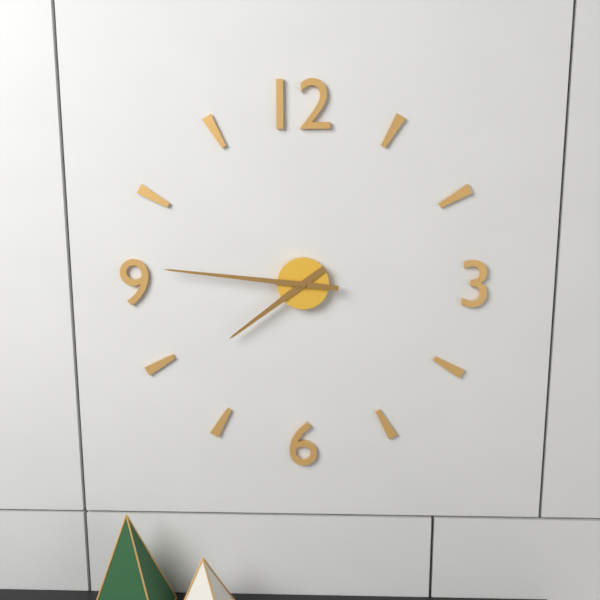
7:46
